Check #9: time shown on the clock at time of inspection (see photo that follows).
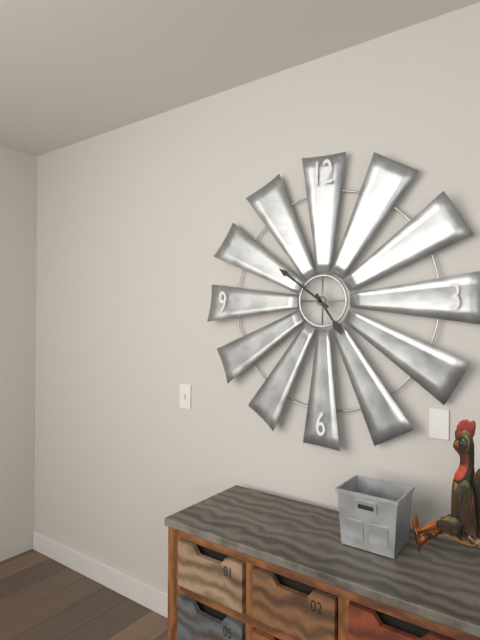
4:51
